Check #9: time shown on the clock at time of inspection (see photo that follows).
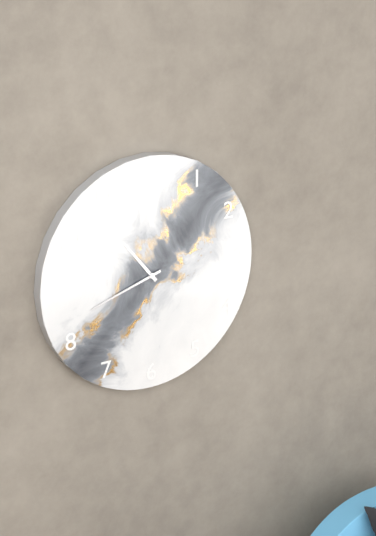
10:42
